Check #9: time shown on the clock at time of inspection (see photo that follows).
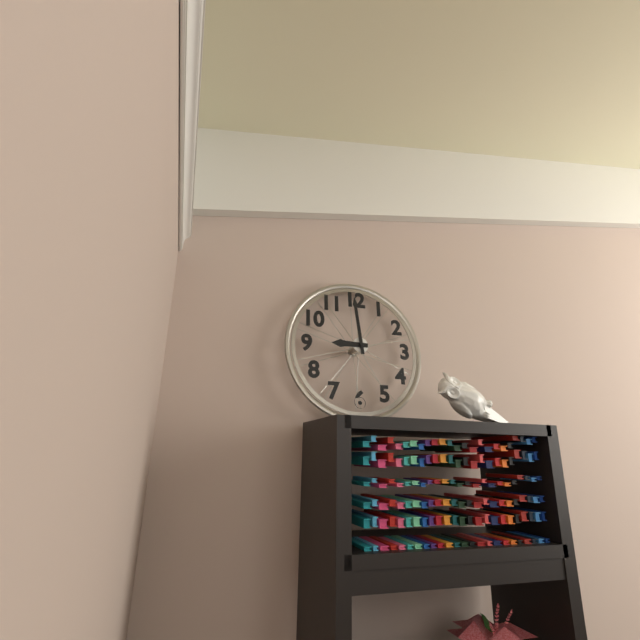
8:59
